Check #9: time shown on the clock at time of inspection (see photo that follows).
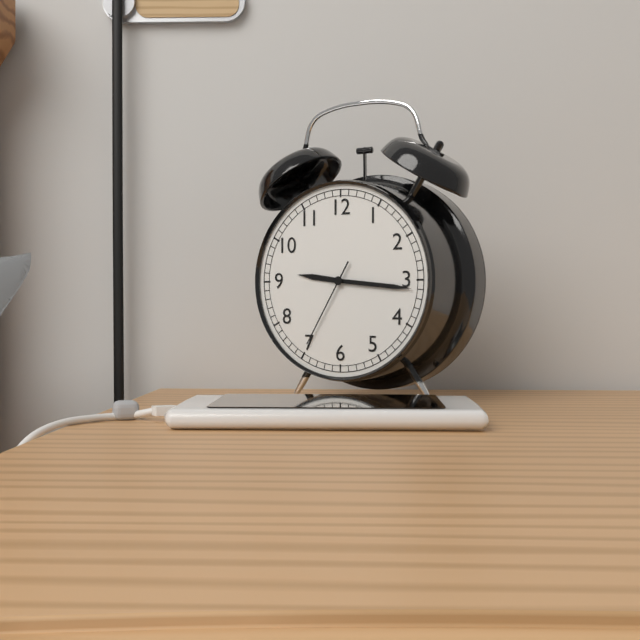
9:16:35
